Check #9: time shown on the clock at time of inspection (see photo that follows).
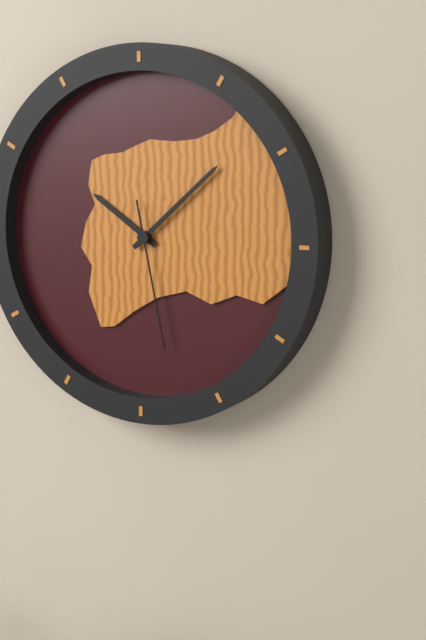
10:08:28
